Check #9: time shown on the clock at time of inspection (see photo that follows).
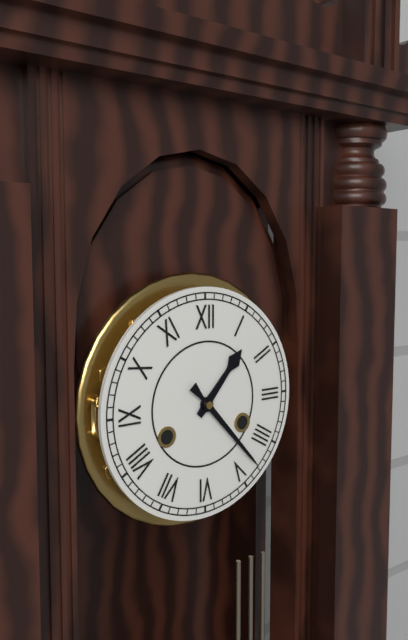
1:23
